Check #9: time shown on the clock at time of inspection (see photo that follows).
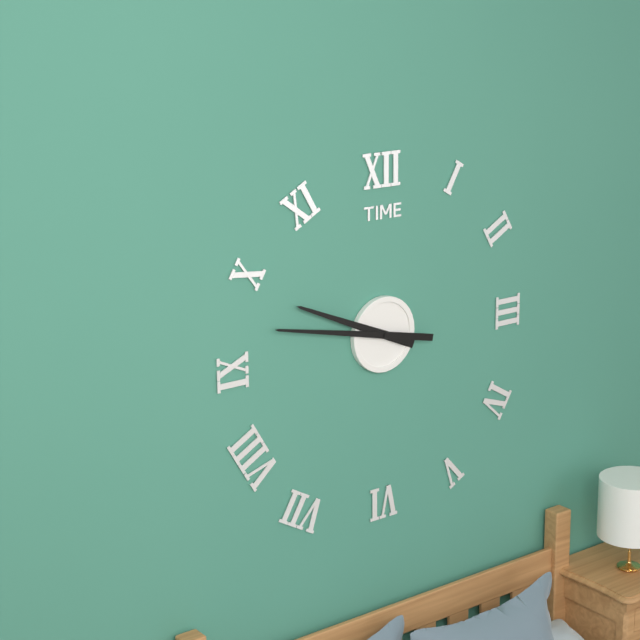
9:47
